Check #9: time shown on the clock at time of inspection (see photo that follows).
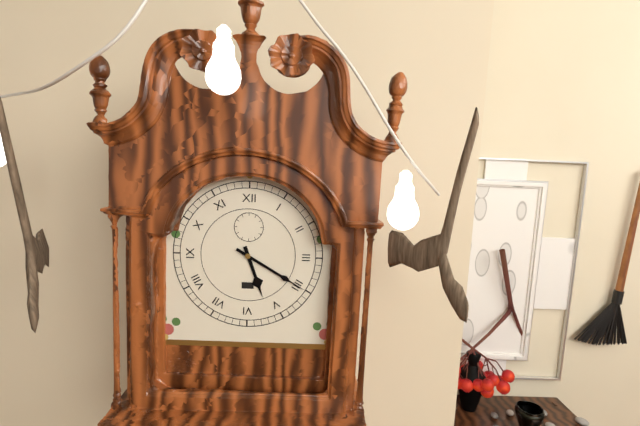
5:20
